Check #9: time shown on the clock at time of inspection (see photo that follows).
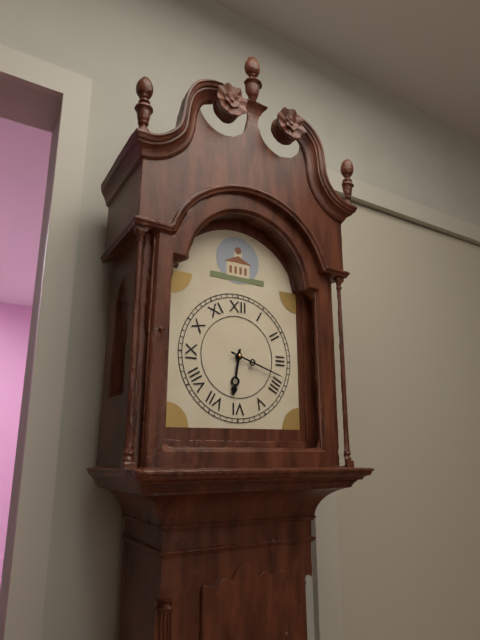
6:18
